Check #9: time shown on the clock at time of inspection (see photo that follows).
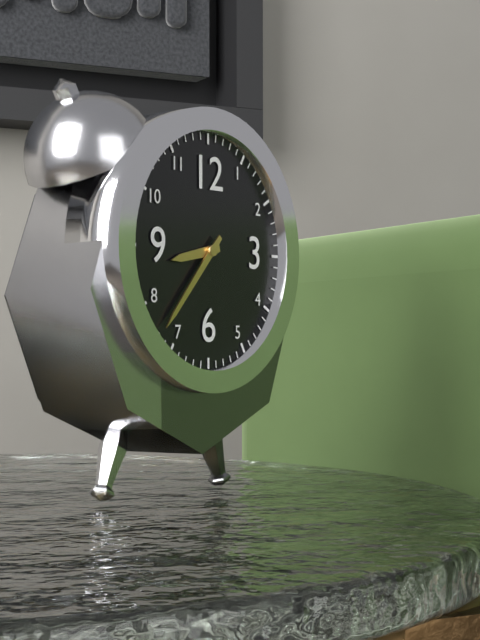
8:37
